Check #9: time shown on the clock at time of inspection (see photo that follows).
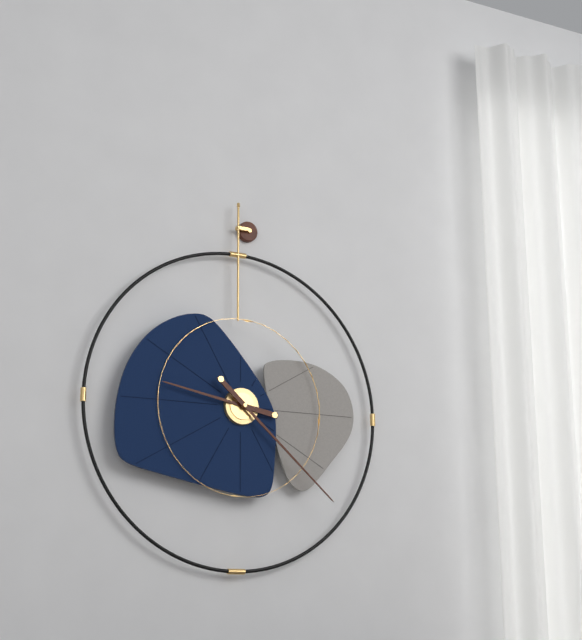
9:22
